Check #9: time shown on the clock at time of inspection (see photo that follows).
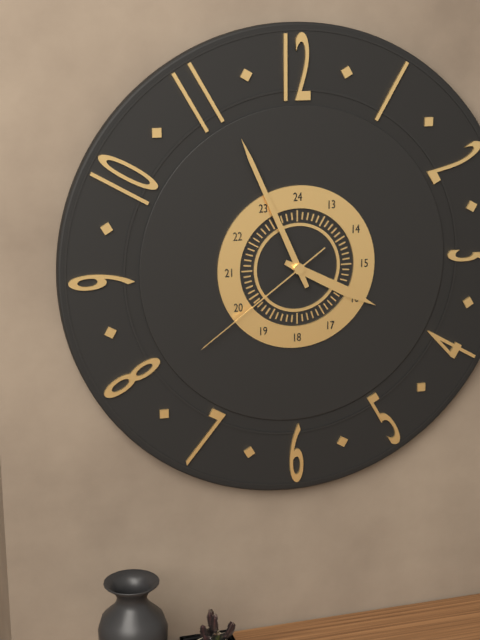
3:56:39
